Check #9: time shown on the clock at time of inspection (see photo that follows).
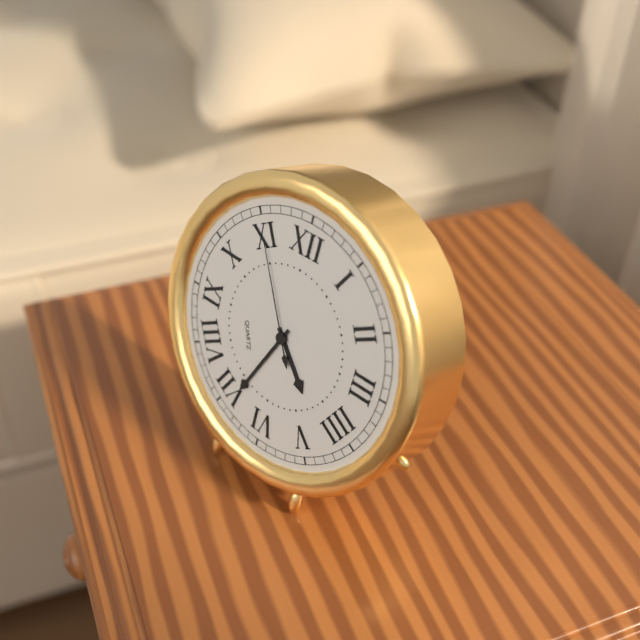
4:34:55
